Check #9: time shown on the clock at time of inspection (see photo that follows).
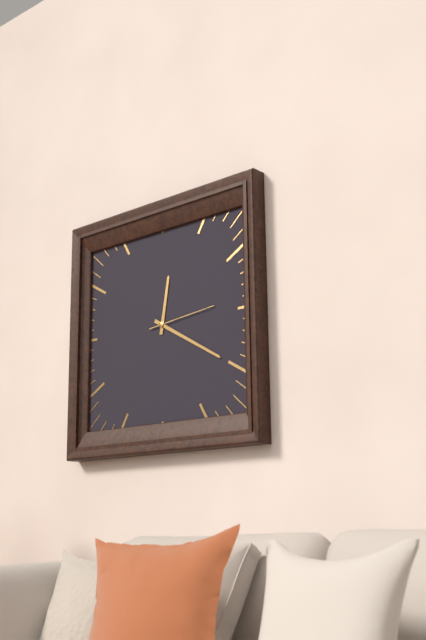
12:20:14
